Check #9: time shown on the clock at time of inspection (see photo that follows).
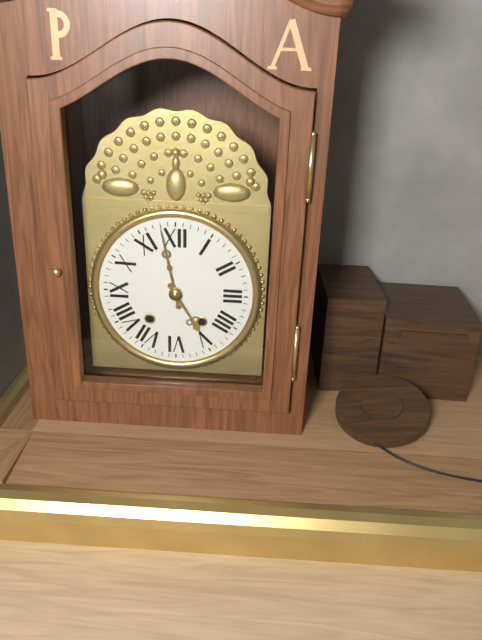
4:58
